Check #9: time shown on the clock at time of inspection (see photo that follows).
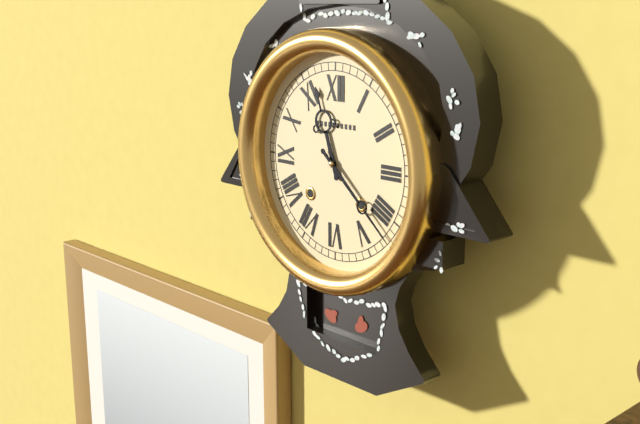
11:22
